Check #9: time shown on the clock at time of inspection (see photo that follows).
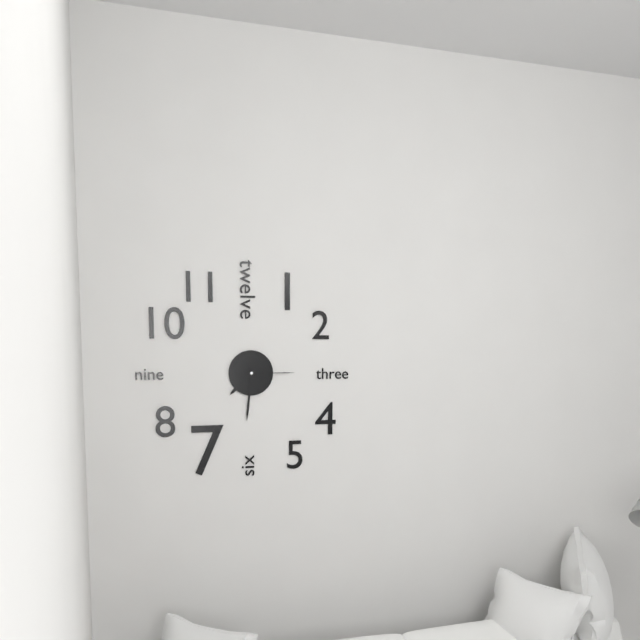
7:31:15
